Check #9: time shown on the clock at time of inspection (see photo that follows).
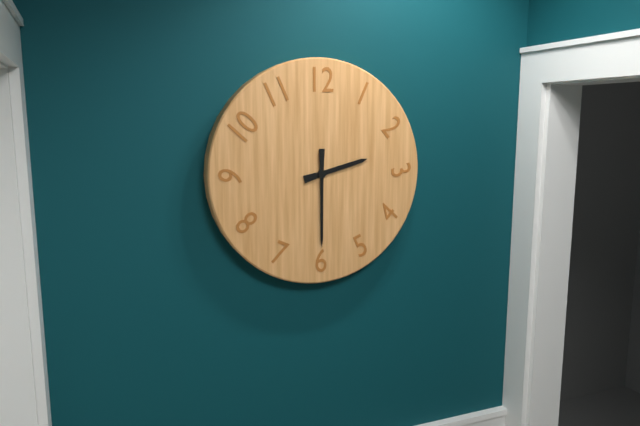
2:30
